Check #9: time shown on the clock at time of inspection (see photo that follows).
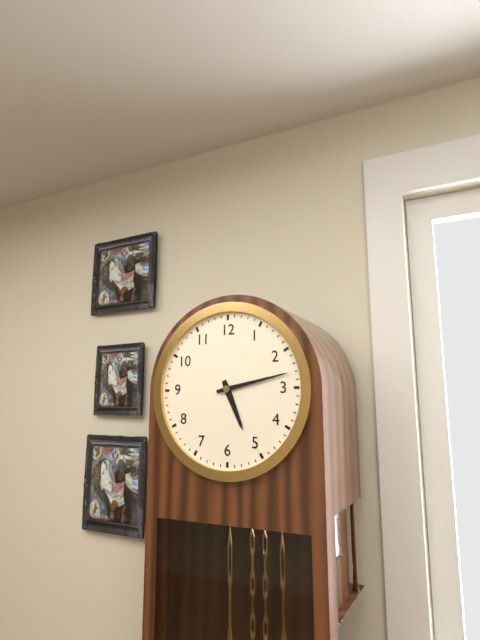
5:13
